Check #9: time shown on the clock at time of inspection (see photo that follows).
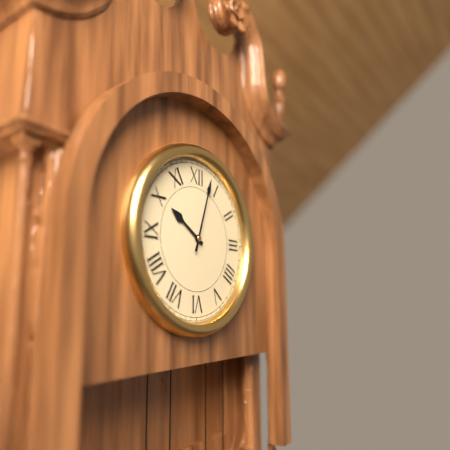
10:03
